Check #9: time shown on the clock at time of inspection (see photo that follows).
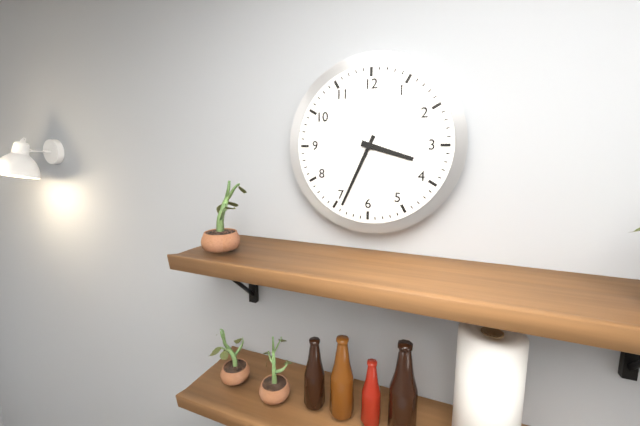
3:34
